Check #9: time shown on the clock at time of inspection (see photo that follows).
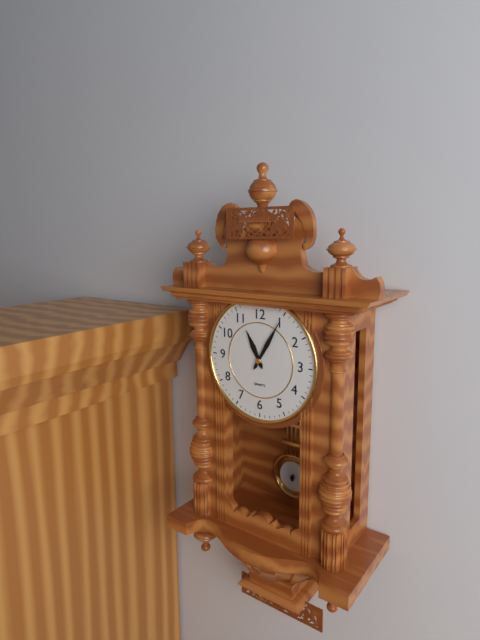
11:05
